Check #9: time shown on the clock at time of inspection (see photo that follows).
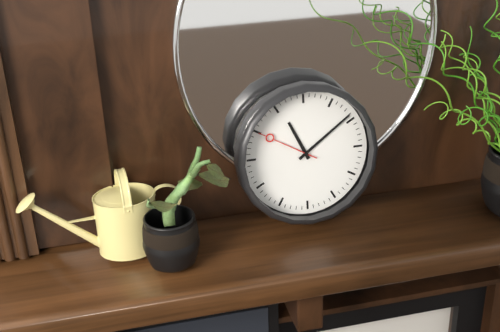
11:09:50
